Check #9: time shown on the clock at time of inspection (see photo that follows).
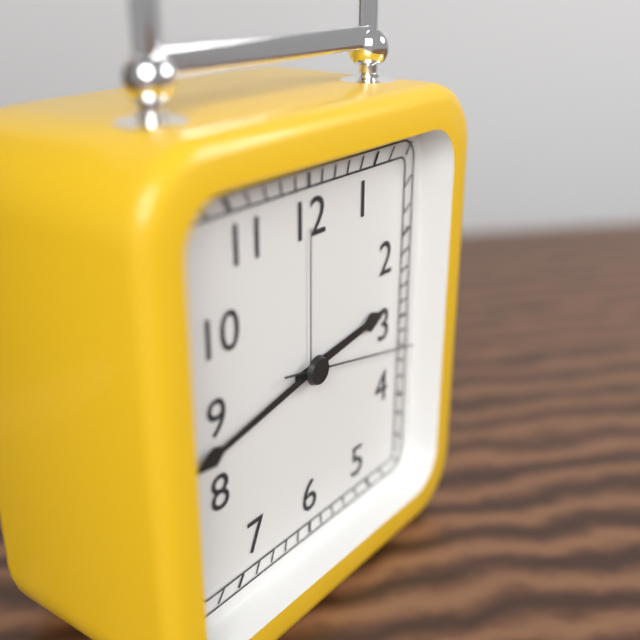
2:43:17
